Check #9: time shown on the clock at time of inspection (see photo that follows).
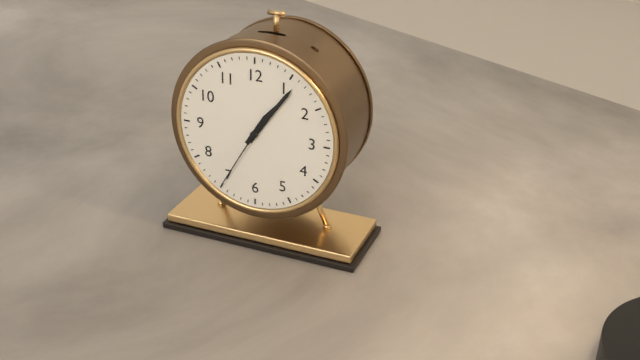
1:06:35
